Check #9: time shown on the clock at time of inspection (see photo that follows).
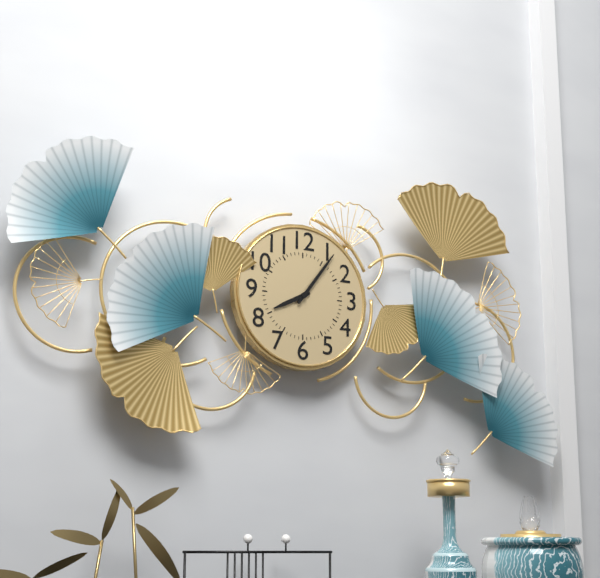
8:06
